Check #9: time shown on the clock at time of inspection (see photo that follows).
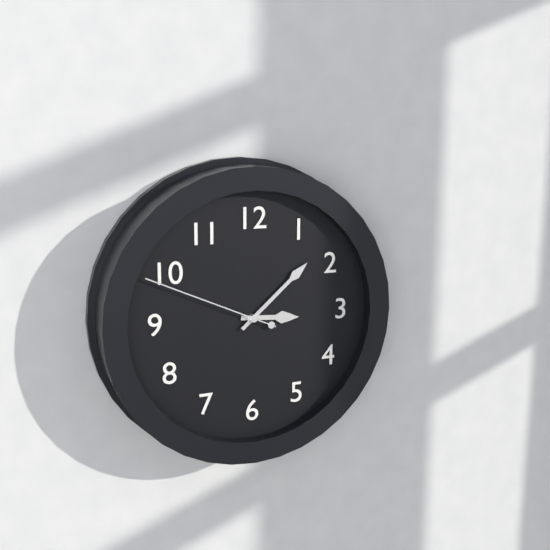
3:08:49
